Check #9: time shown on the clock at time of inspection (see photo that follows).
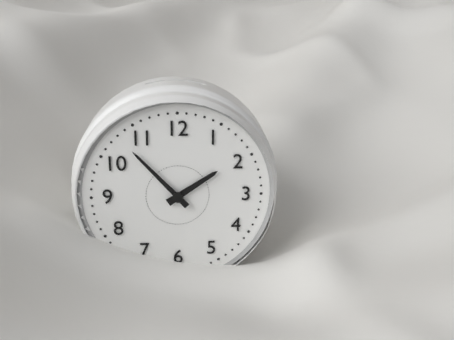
1:53
